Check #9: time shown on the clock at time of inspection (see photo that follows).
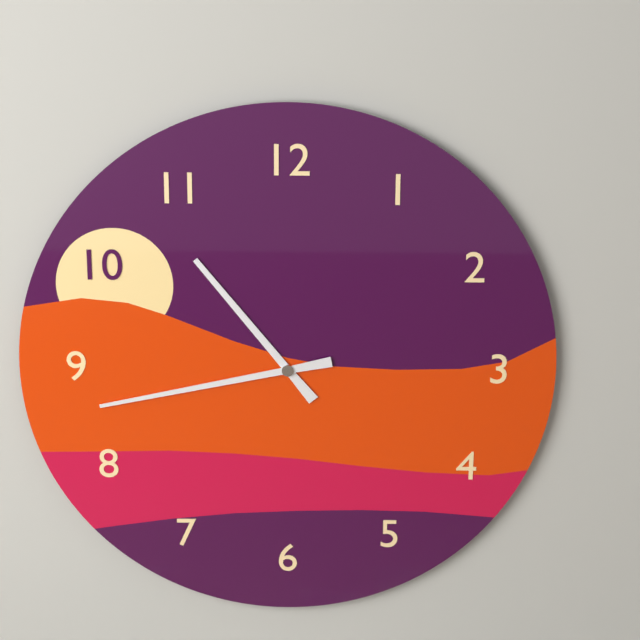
10:43
